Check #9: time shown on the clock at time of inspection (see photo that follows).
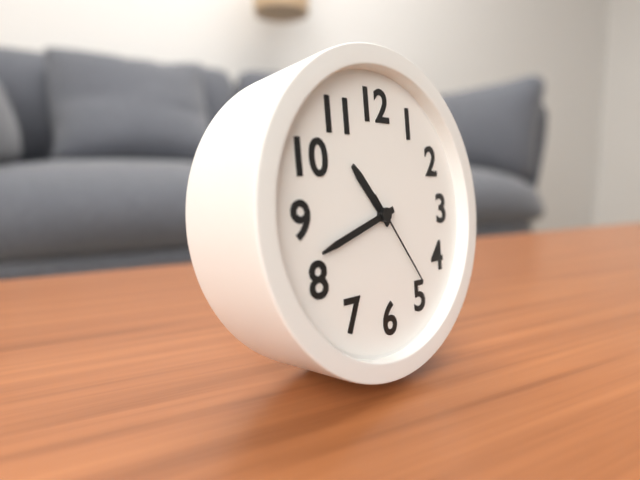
10:42:24
